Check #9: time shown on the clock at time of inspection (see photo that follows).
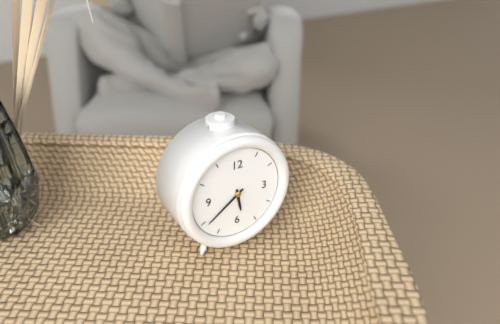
5:39
